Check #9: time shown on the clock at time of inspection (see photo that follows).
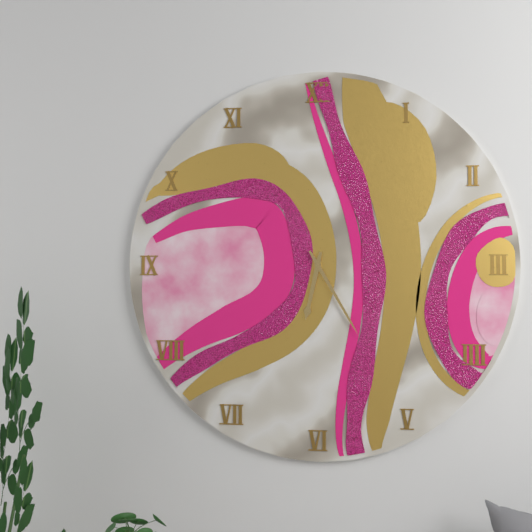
6:25
